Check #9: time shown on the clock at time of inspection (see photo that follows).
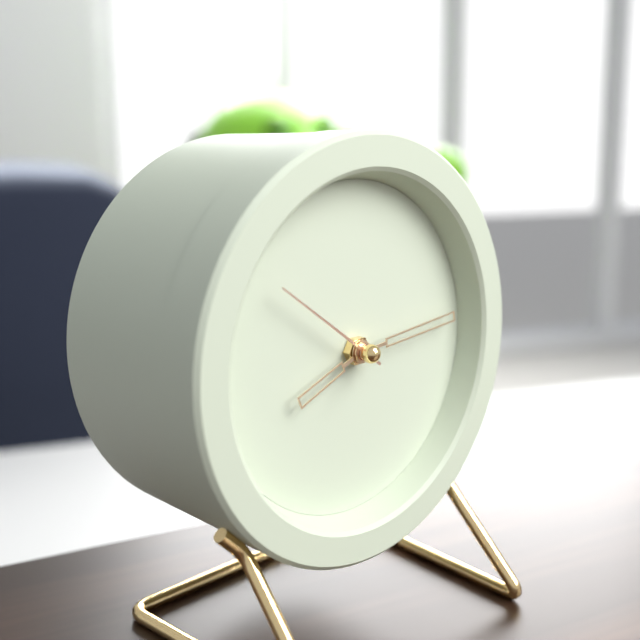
8:14:51
